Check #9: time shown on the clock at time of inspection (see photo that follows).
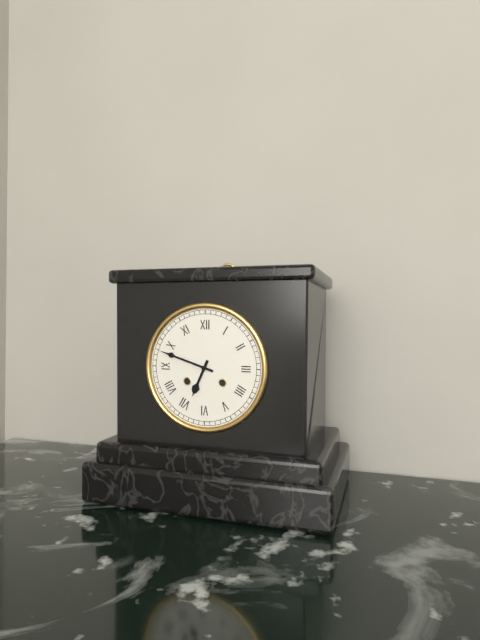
6:48
